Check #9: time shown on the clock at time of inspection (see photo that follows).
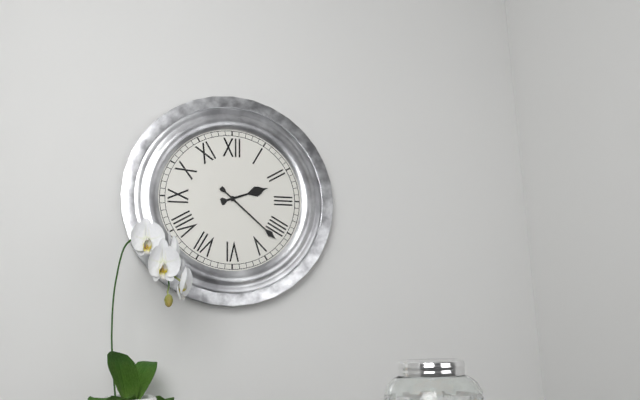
2:22
